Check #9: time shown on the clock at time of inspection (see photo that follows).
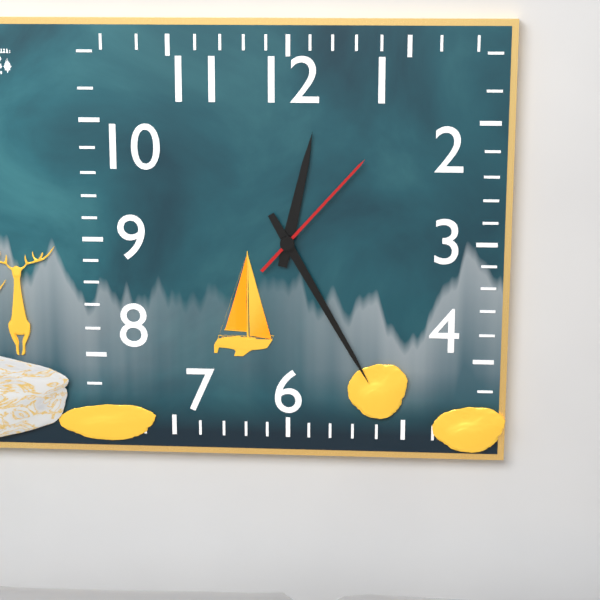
12:25:07
